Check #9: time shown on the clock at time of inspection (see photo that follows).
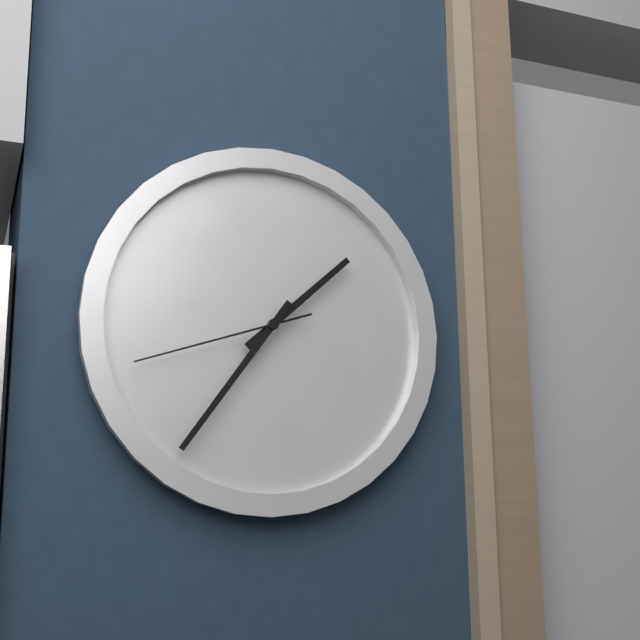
1:36:42
